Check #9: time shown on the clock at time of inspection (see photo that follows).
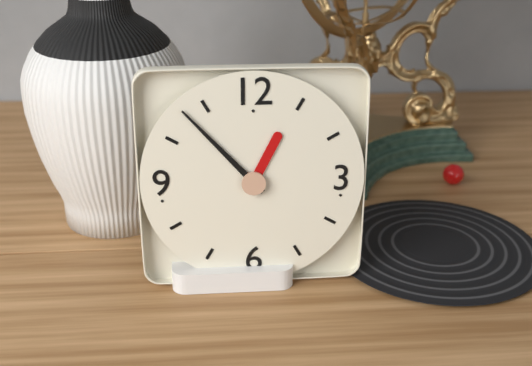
12:53
